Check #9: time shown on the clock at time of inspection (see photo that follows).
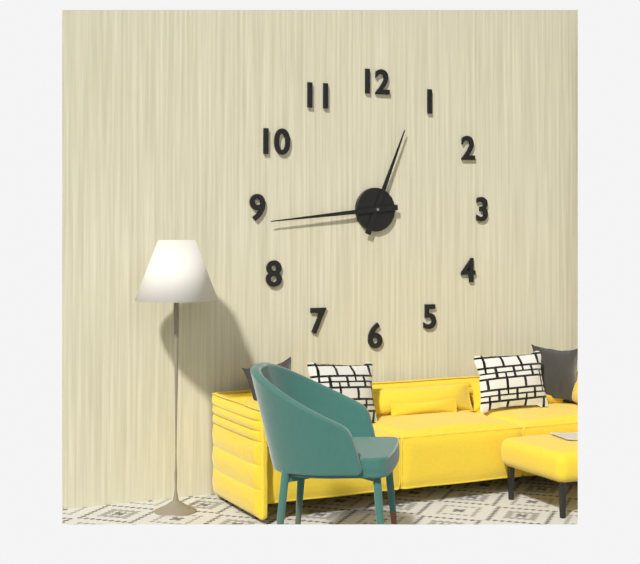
12:44
